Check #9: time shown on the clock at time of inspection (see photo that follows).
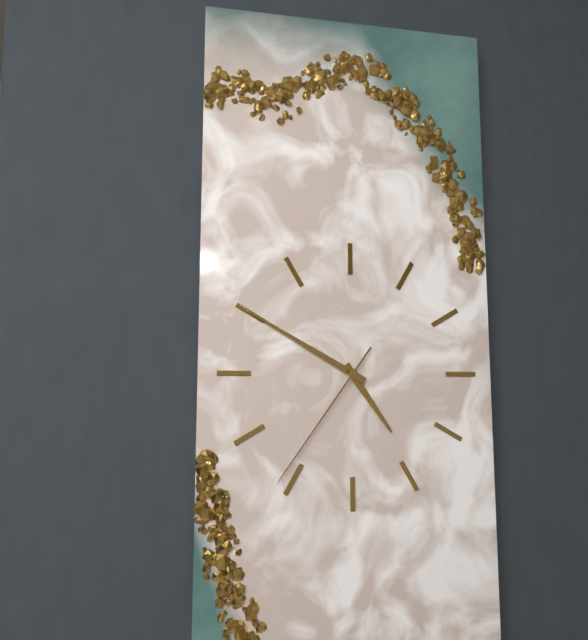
4:50:36
